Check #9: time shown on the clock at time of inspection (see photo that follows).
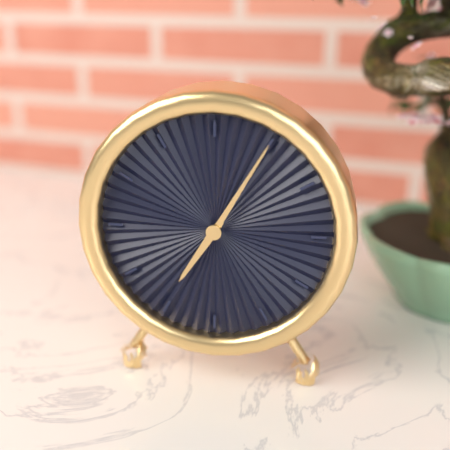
7:05
